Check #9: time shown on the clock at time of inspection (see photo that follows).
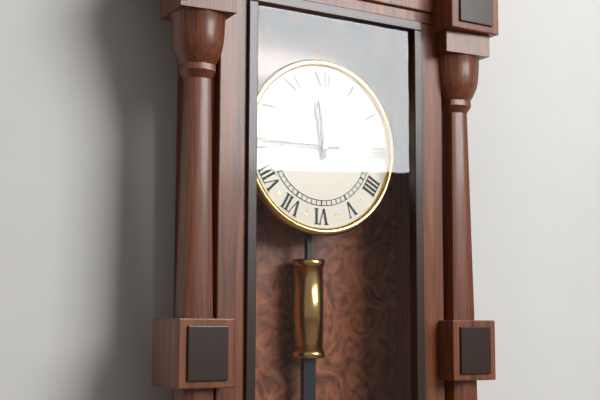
11:45
